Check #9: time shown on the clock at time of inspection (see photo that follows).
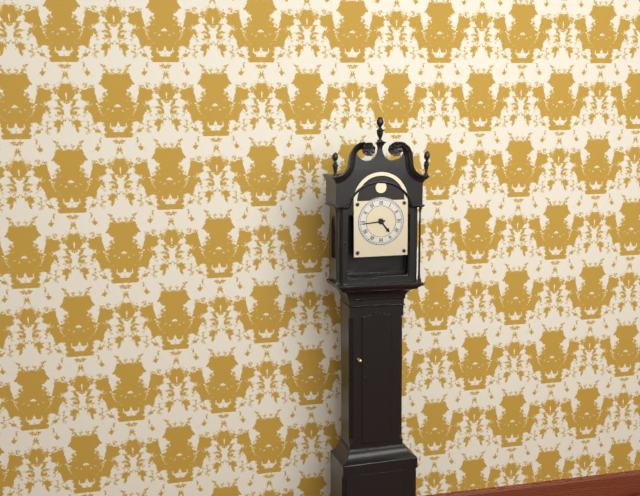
4:44
